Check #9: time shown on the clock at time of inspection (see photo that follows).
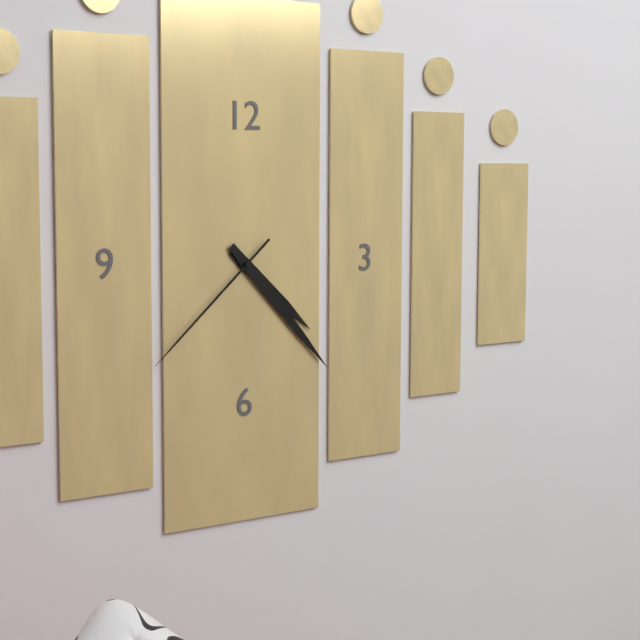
4:23:38
